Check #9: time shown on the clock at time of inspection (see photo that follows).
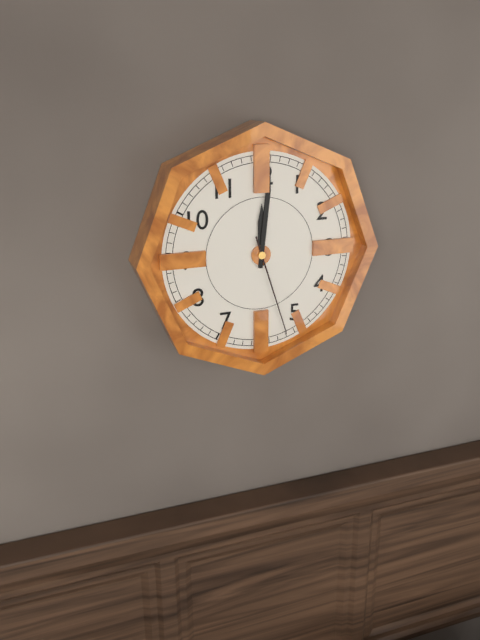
12:01:27
